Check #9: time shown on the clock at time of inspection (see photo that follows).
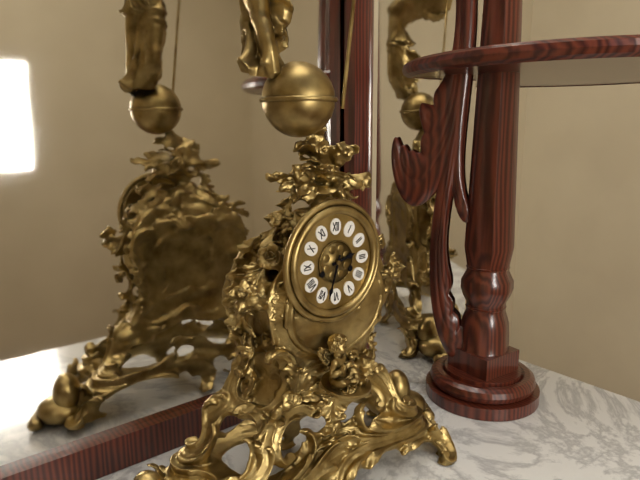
2:33
